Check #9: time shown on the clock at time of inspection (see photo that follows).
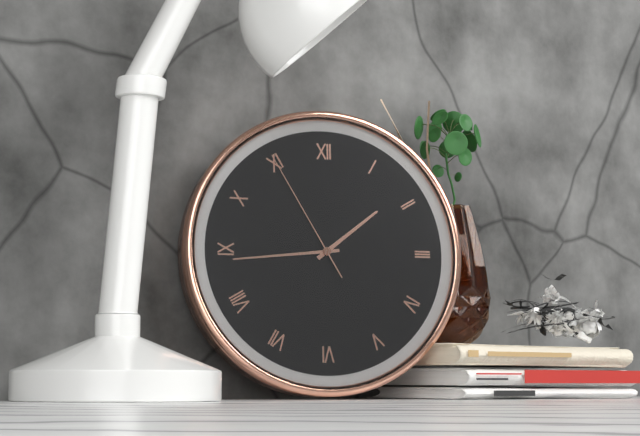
1:44:55
